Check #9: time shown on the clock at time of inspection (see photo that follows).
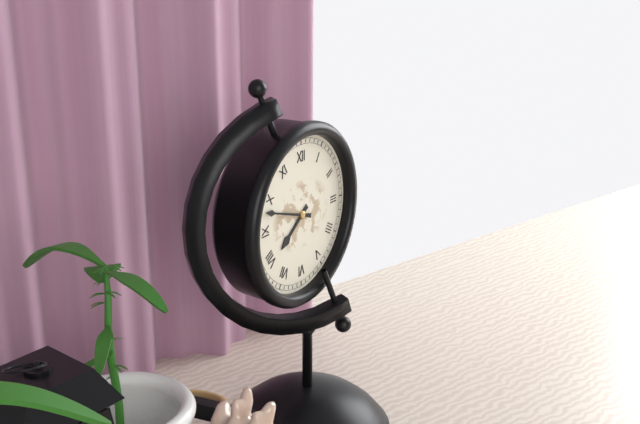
7:48
